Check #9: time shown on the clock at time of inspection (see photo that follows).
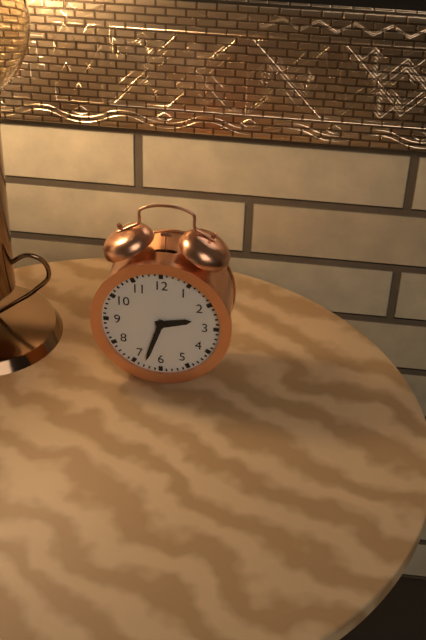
2:33
